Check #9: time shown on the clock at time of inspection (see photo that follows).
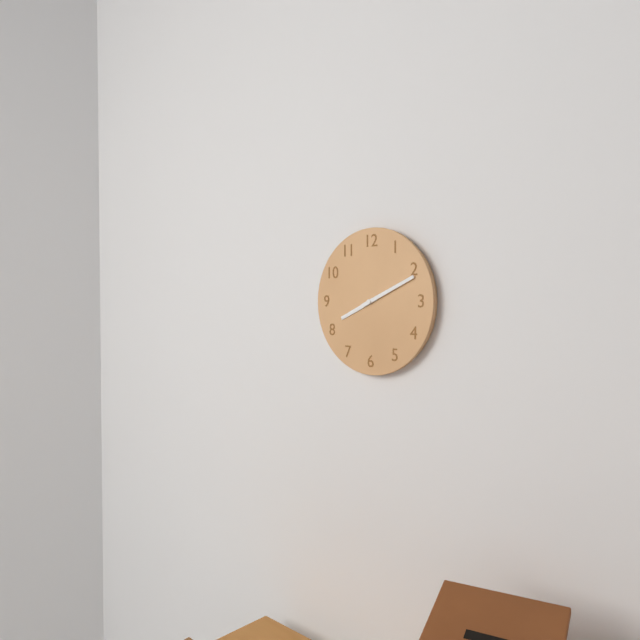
8:11
